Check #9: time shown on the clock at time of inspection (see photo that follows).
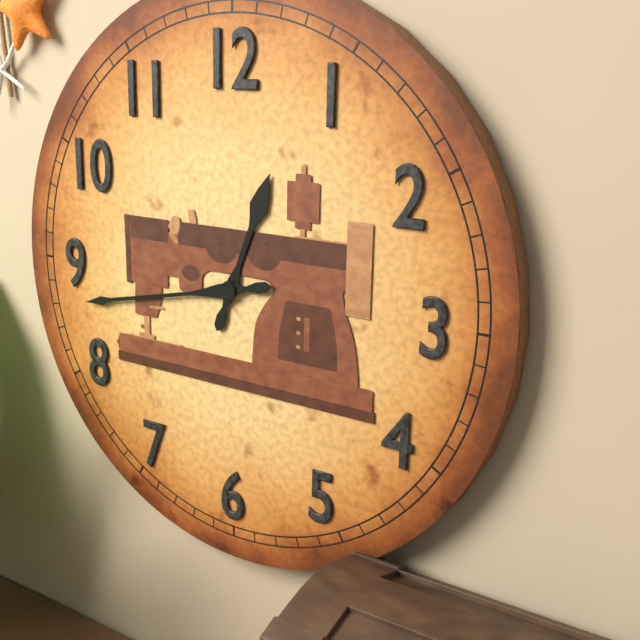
12:43
